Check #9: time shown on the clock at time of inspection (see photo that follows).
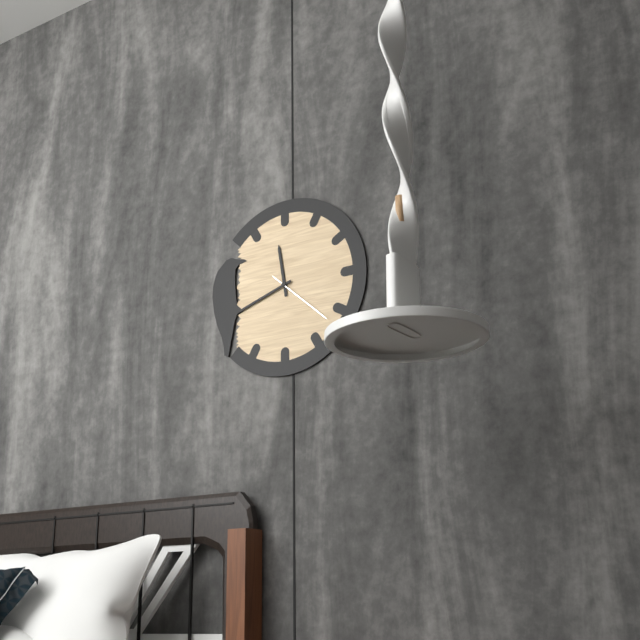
11:42:22
